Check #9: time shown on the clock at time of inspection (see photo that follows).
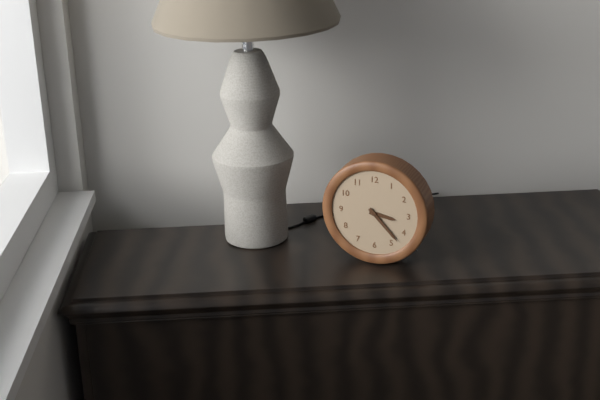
3:23
